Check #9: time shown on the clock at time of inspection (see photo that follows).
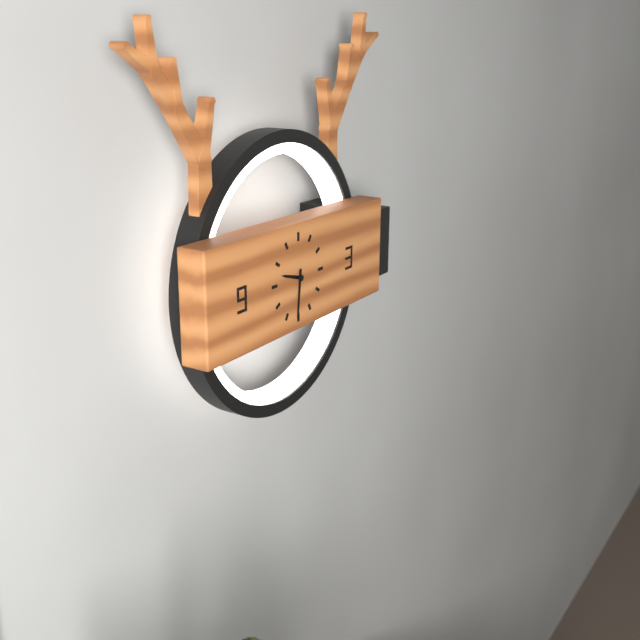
9:31
